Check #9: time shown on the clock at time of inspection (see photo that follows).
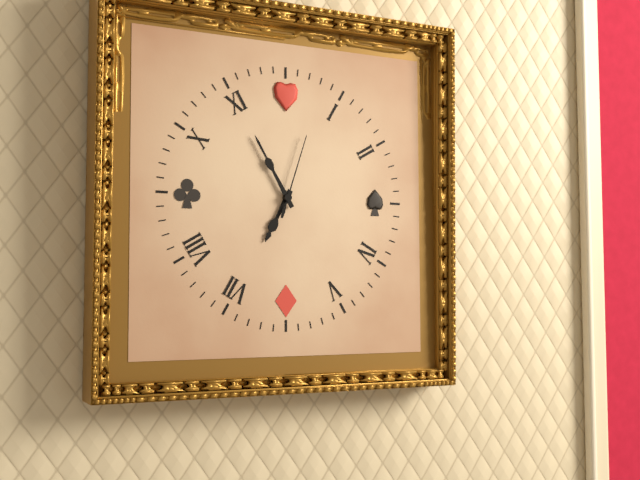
6:55:03
